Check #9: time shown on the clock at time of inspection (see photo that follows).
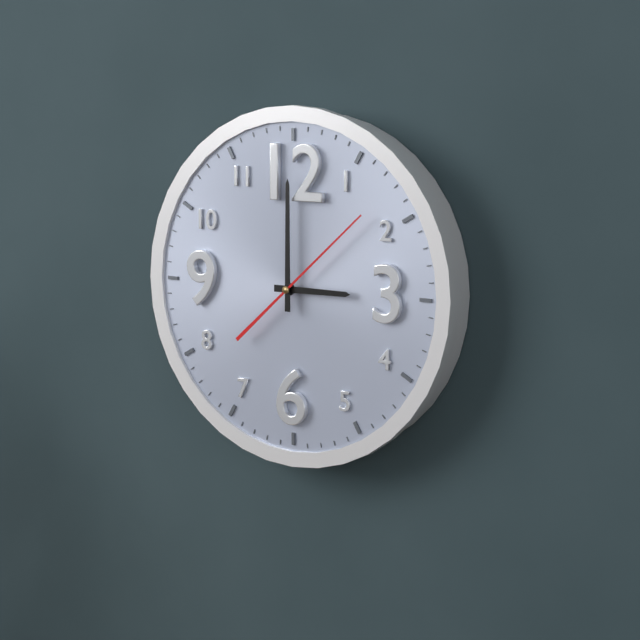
3:00:08
